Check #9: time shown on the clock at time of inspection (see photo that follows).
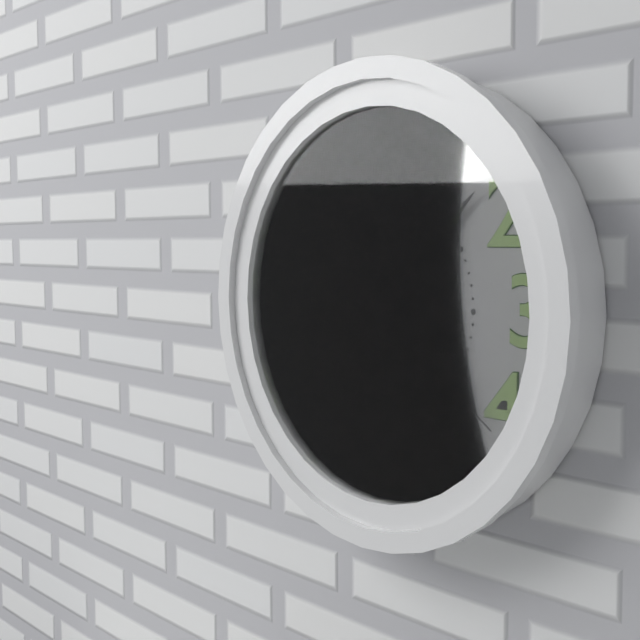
12:08:21
